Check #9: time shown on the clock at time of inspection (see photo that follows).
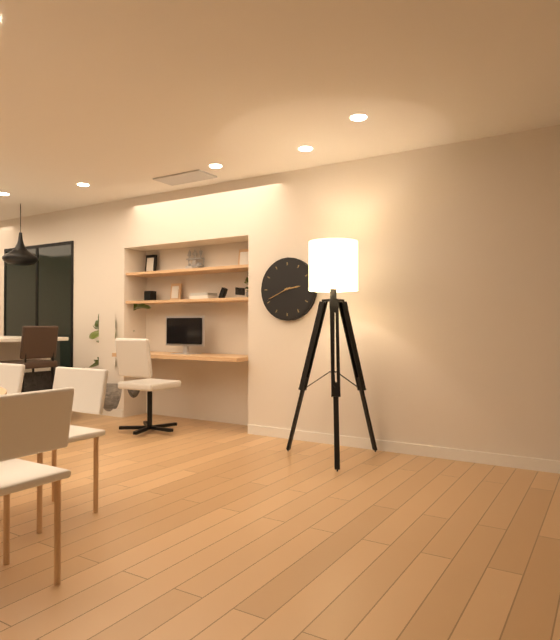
2:41
